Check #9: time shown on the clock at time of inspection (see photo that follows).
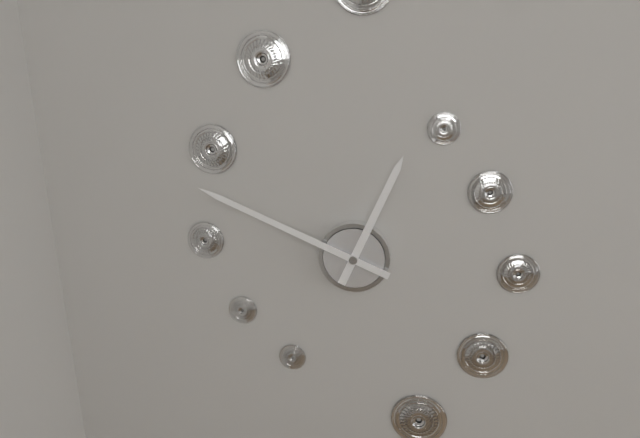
12:49
